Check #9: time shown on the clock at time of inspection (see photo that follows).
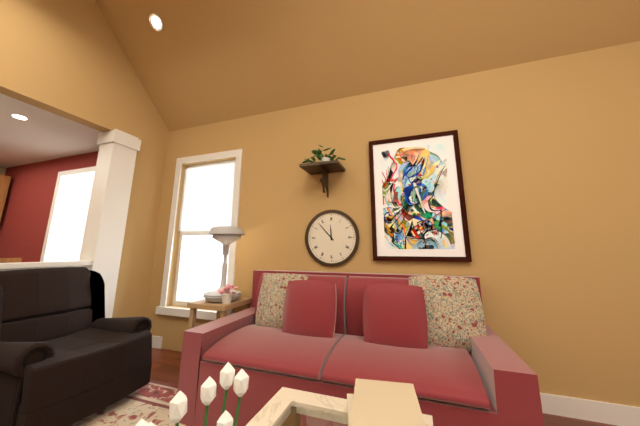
11:53
